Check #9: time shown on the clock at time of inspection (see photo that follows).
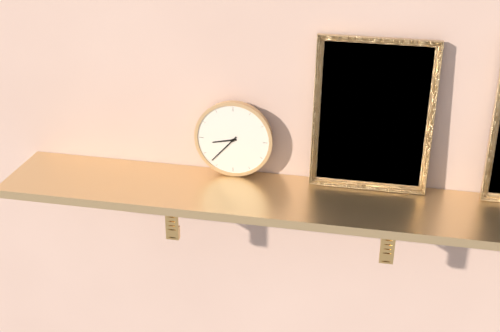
8:37
